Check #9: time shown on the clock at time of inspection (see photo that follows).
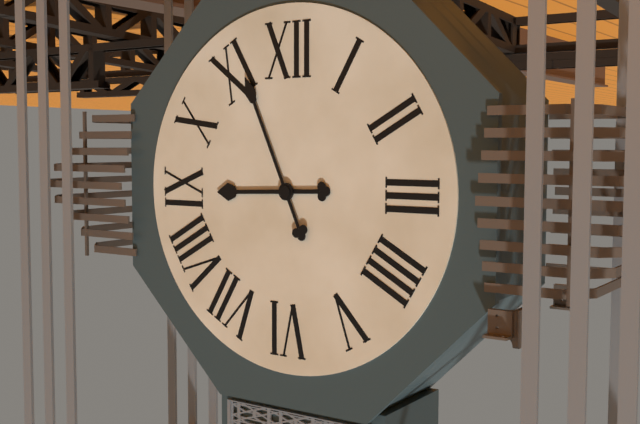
8:56
